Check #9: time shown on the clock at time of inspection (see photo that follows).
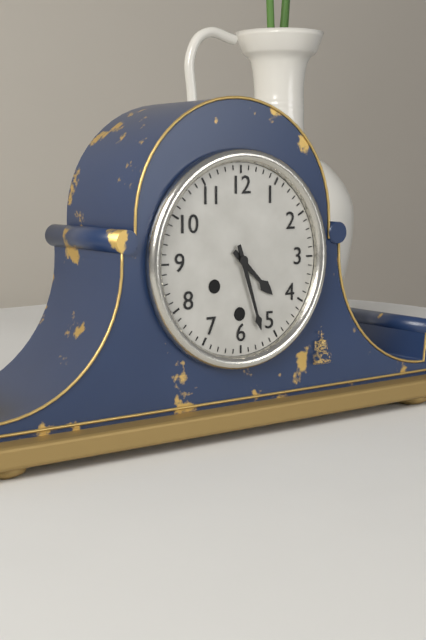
4:27
